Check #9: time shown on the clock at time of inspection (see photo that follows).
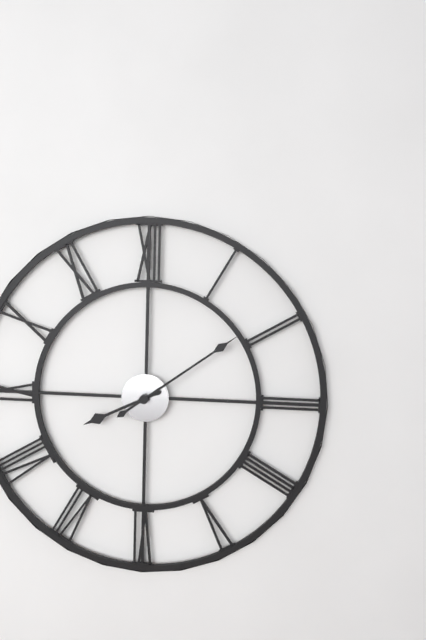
8:09
